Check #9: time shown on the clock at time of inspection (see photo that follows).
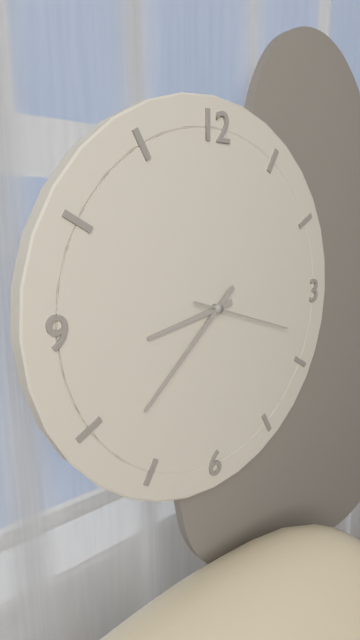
8:38:18
